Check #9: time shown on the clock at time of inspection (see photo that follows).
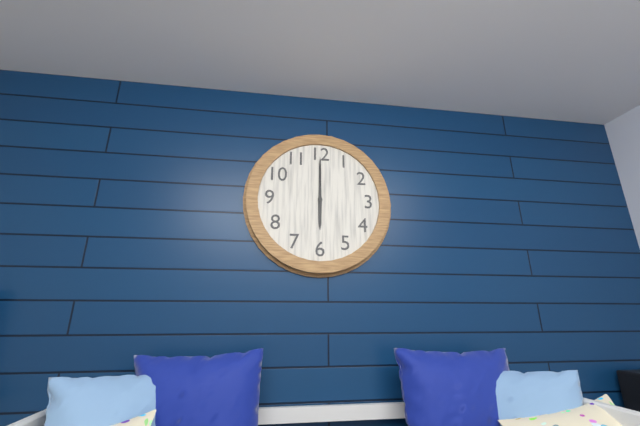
6:00
